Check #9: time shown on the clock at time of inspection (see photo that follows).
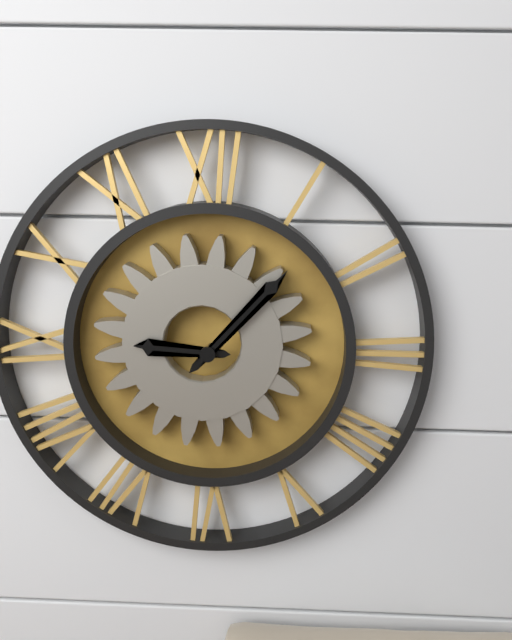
9:07
